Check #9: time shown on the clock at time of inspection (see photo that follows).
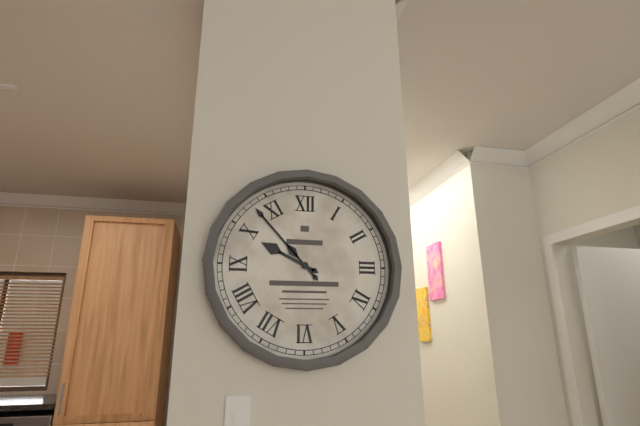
9:53
